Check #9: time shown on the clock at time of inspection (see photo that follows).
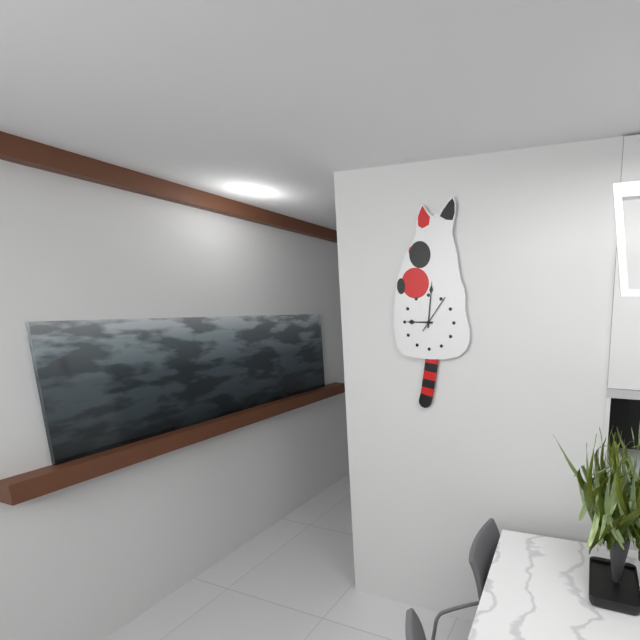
9:01
